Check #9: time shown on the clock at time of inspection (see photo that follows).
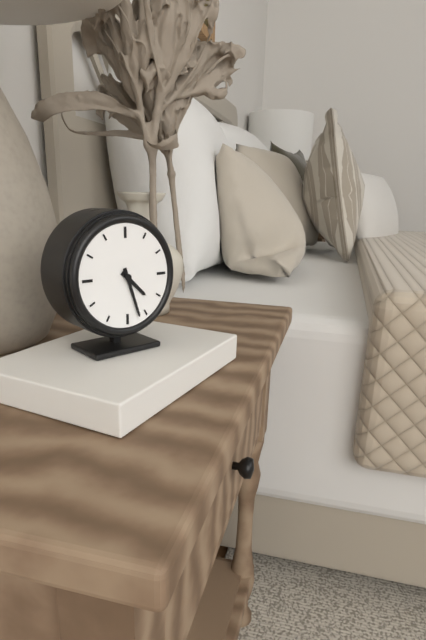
4:27
